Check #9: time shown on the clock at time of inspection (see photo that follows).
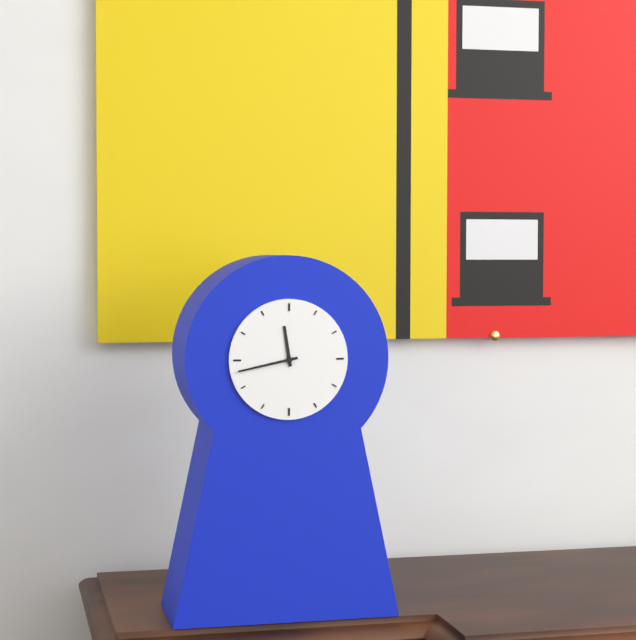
11:43
